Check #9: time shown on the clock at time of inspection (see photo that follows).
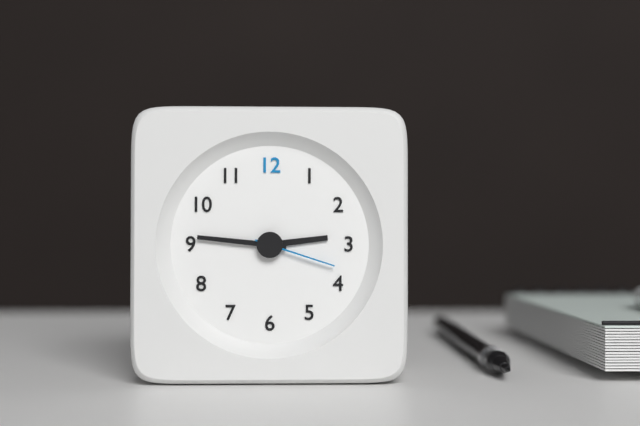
2:46:18
